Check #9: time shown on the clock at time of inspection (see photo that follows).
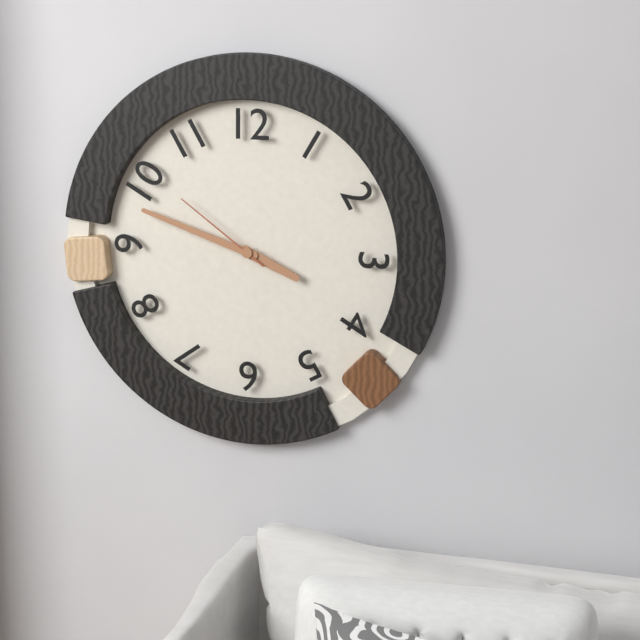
3:48:51
